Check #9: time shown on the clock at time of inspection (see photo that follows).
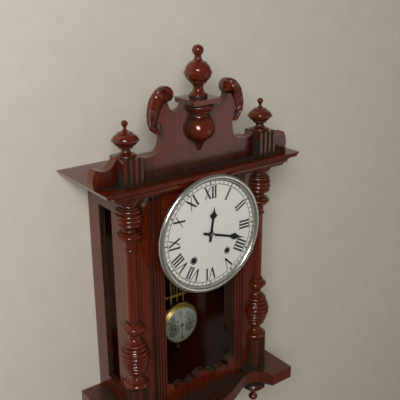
12:18
